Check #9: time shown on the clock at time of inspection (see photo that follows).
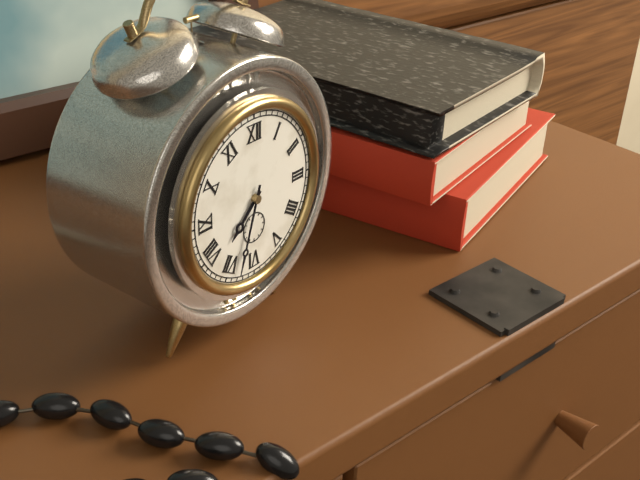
7:33
